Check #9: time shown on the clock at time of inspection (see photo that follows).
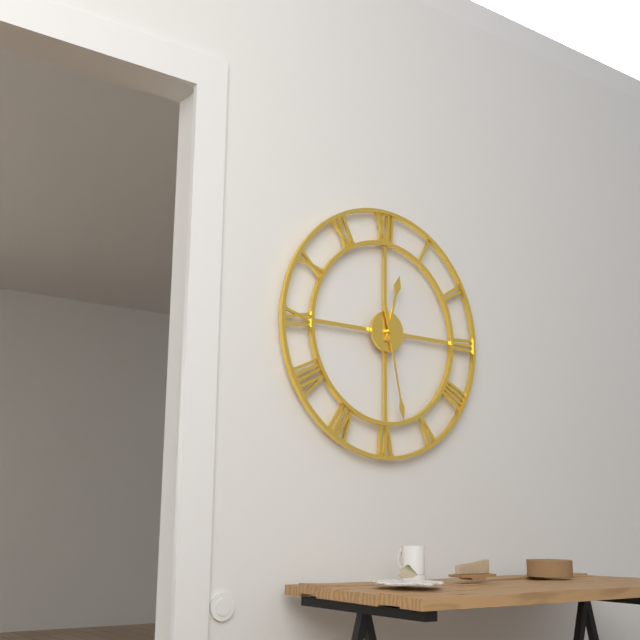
12:28
